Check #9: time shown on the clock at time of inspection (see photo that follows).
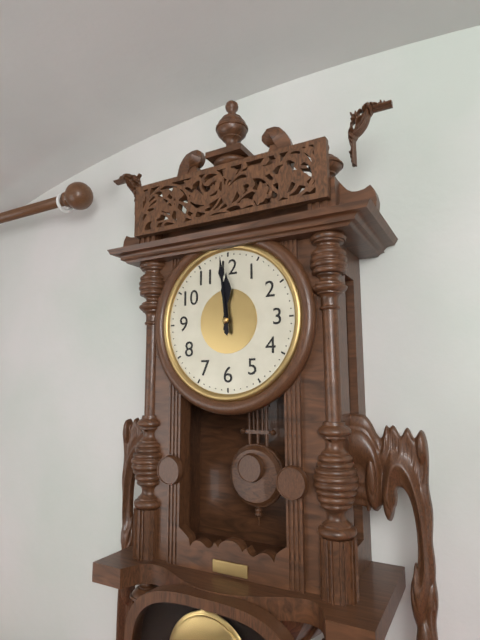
11:59
